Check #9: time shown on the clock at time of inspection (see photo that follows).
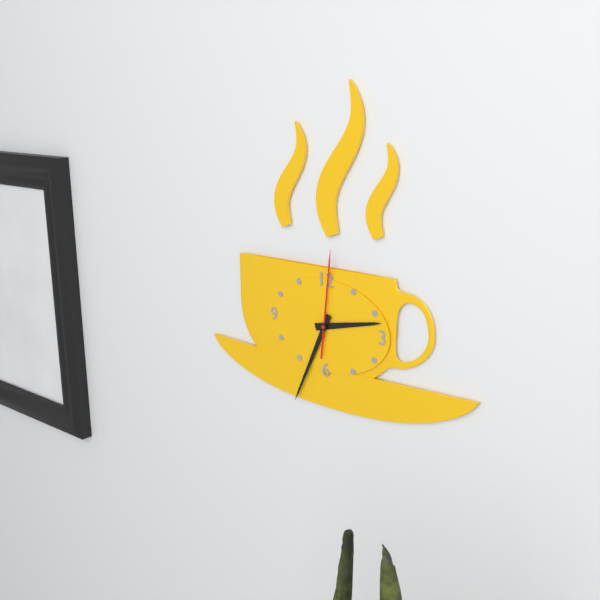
2:34:01
